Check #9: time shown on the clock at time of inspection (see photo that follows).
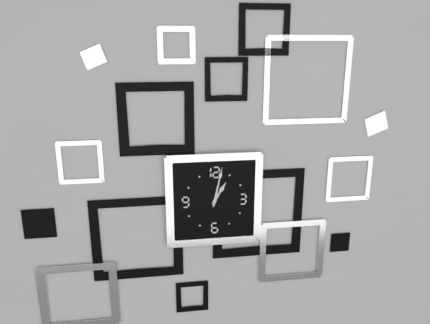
1:02
